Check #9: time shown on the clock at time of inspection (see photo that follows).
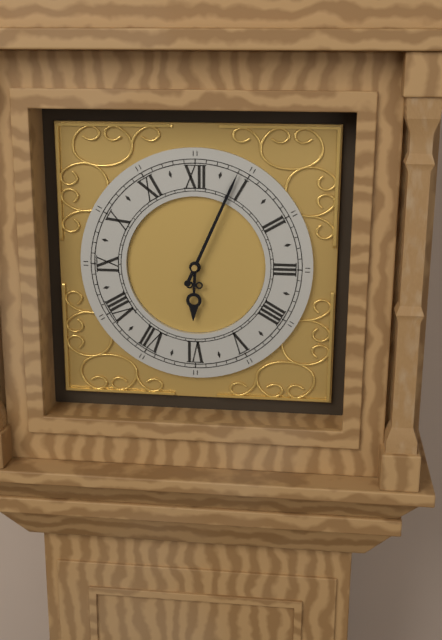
6:04
